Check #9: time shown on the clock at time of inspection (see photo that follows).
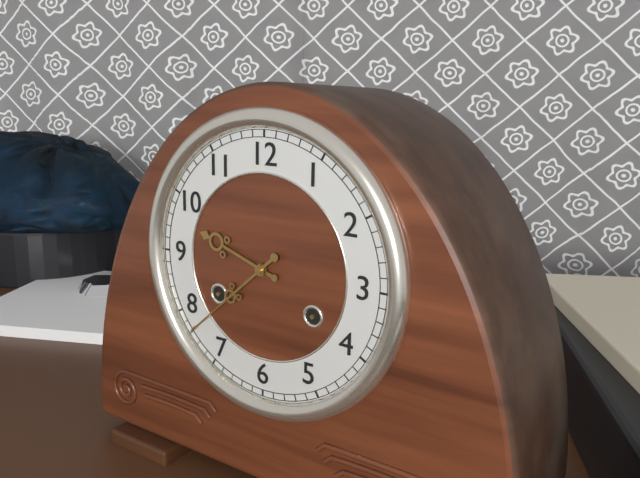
9:38
